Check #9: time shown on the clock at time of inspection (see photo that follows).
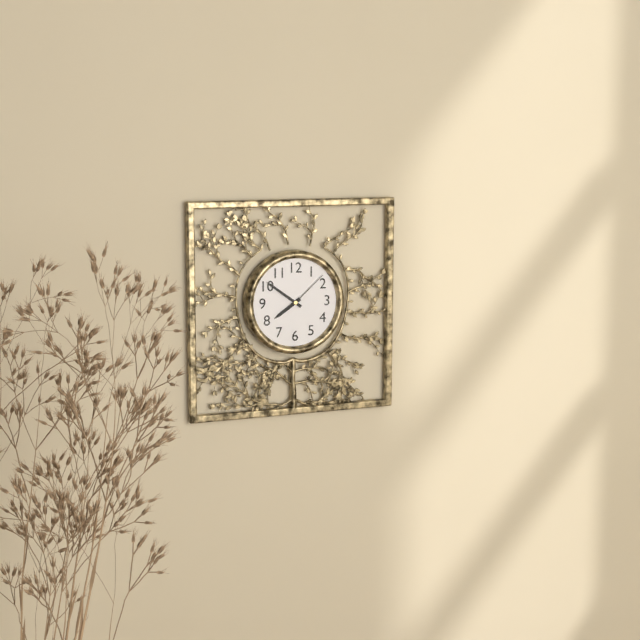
7:51:08
